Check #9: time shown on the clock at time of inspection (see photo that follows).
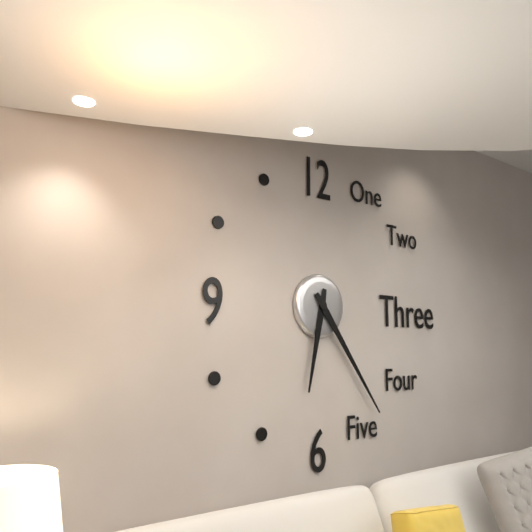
6:24
